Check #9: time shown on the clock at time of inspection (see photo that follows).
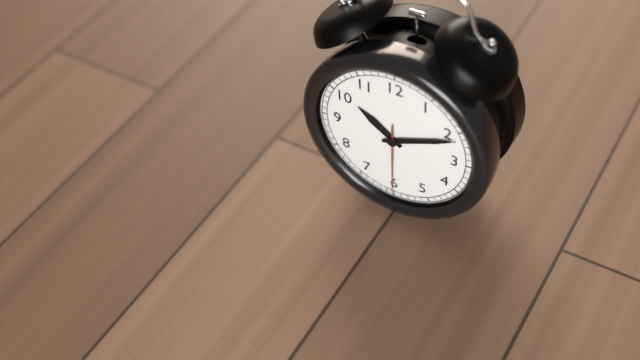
10:11:30
